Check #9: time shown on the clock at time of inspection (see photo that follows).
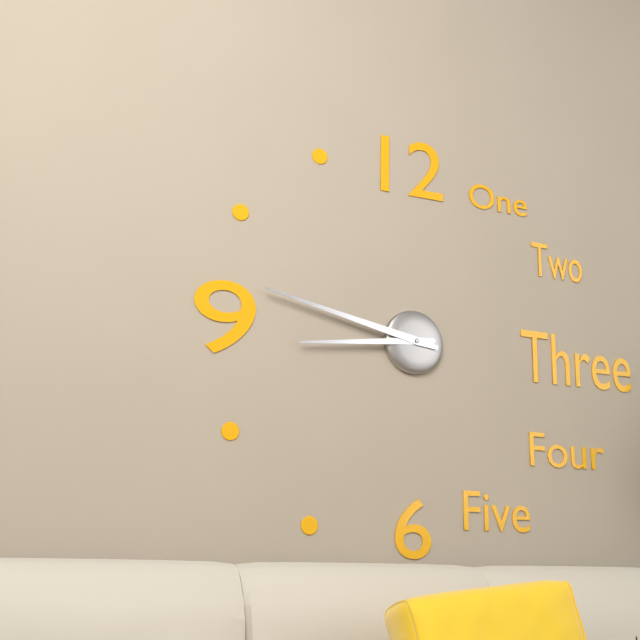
8:47
